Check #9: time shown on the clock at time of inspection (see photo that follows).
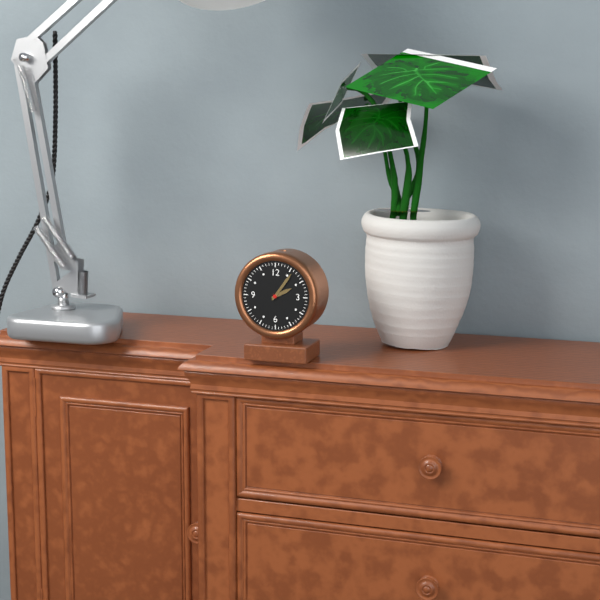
2:06
